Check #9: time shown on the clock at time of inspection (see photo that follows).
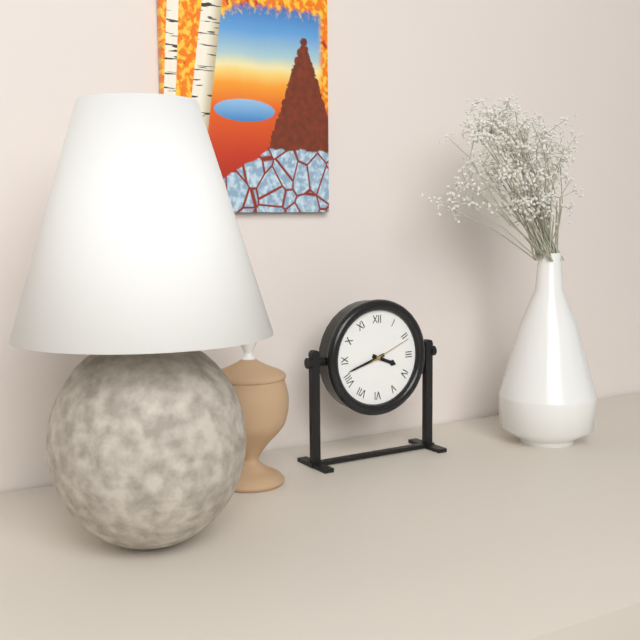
3:42
